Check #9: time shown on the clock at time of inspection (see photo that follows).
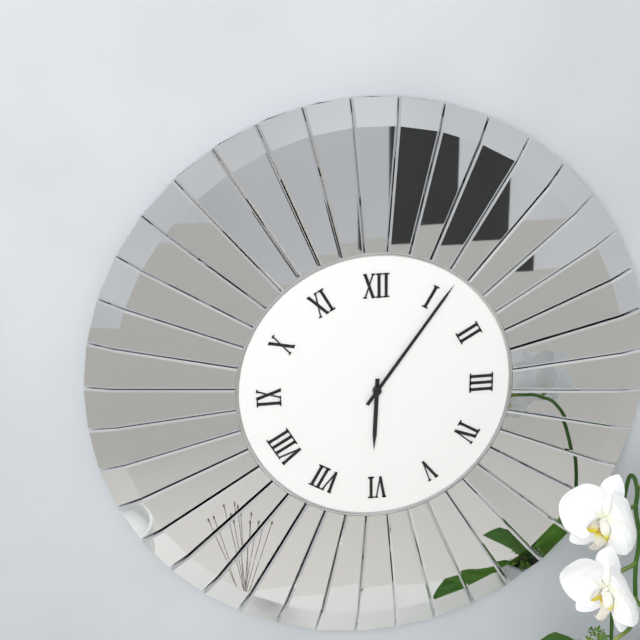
6:06
